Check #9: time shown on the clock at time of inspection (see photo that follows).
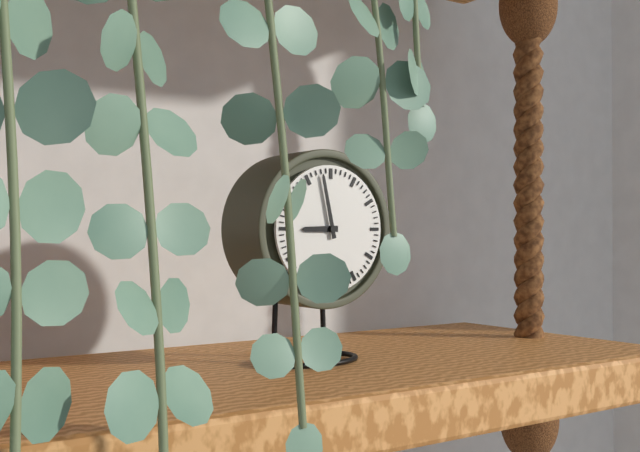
8:58
